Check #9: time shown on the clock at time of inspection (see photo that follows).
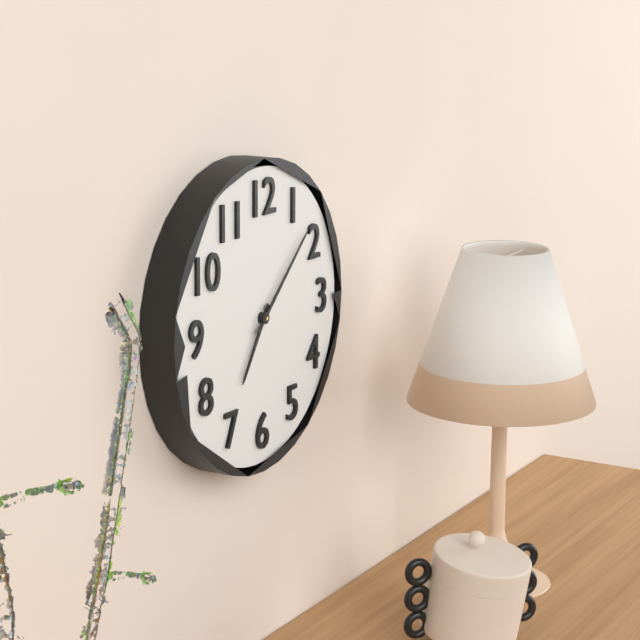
7:08
